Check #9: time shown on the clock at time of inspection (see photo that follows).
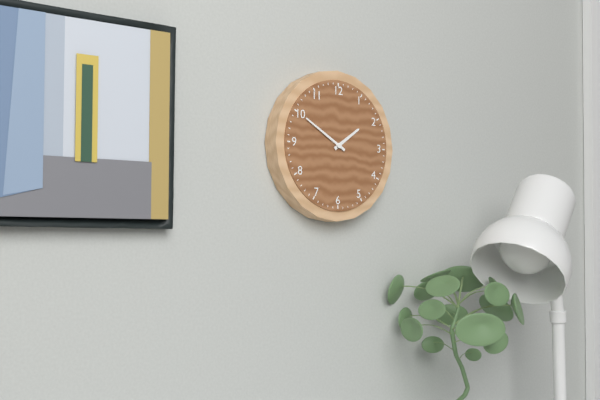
1:50
